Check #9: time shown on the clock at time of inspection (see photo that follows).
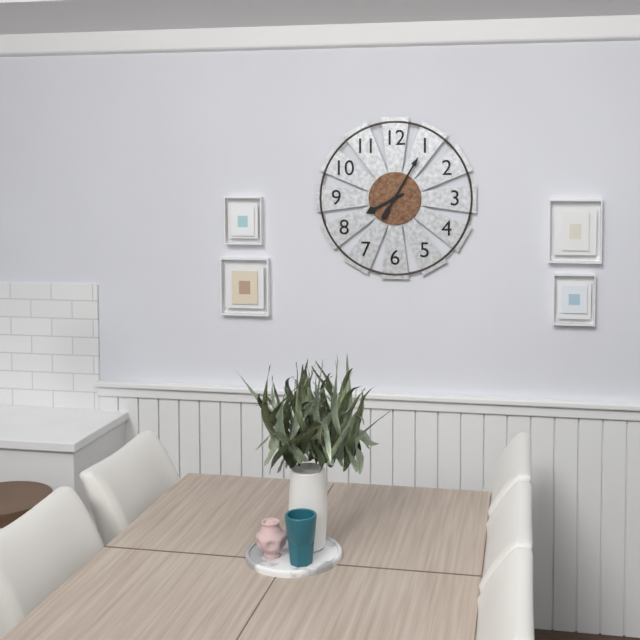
8:05
